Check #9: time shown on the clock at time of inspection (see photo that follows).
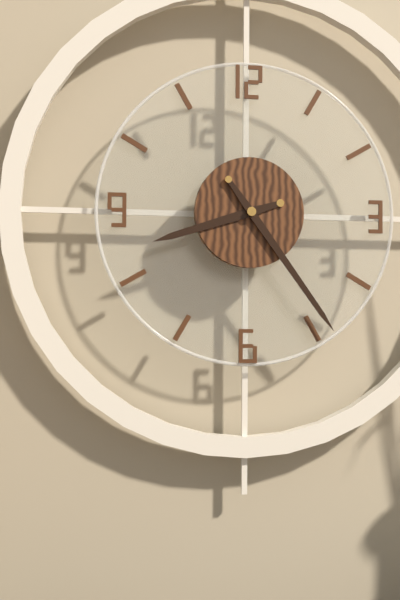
8:24
